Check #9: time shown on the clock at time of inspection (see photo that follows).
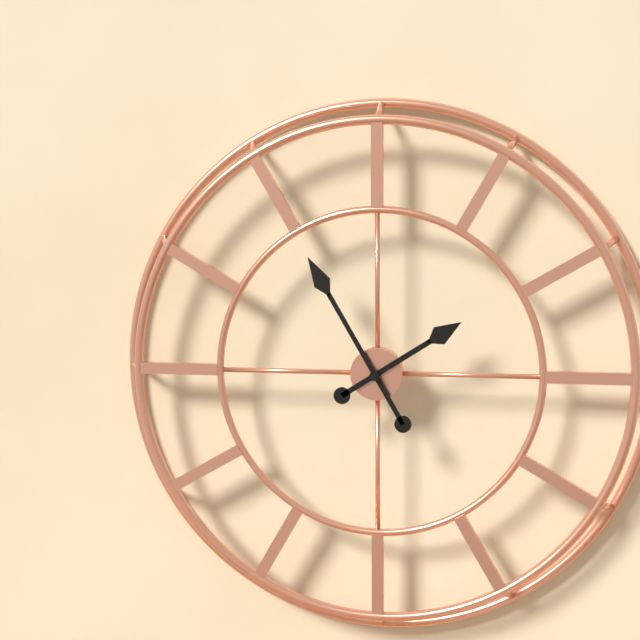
1:55
